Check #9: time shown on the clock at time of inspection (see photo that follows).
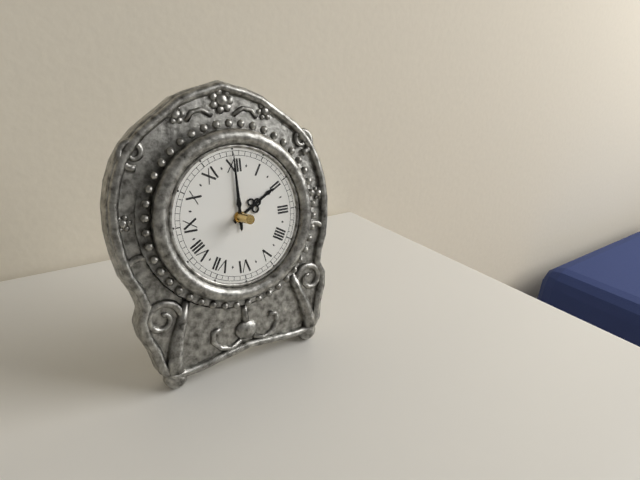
2:00
